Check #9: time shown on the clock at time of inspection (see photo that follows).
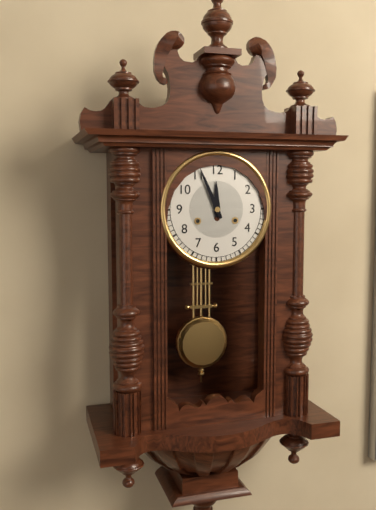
11:56
